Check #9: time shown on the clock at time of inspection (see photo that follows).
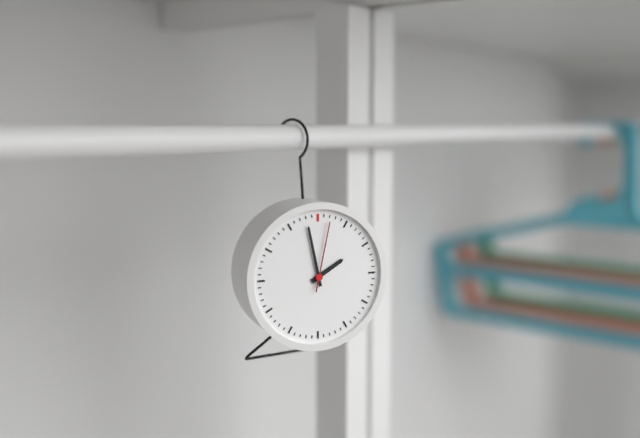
1:58:02
